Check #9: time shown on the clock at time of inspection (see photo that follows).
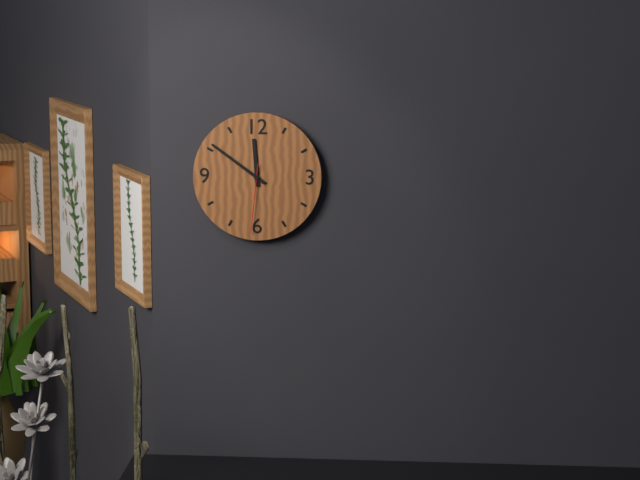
11:51:31
